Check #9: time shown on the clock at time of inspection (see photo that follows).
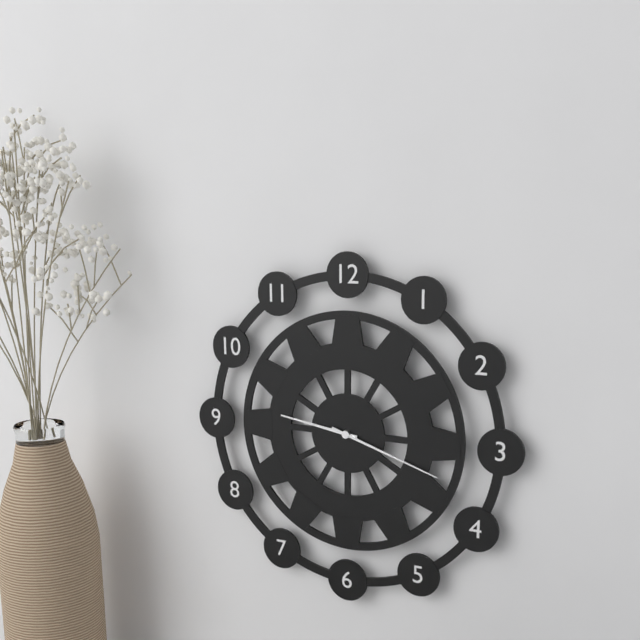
9:18
